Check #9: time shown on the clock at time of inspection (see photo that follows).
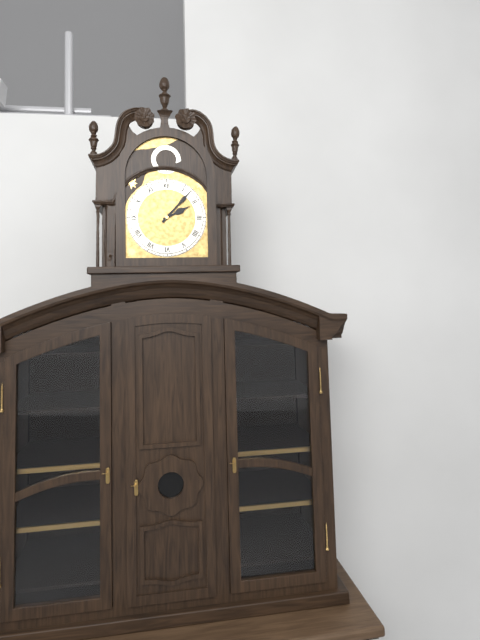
2:07
